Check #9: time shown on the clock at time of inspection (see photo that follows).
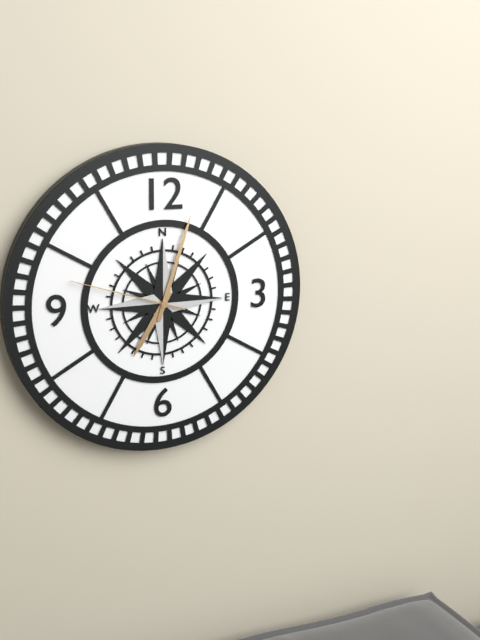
7:03:48
